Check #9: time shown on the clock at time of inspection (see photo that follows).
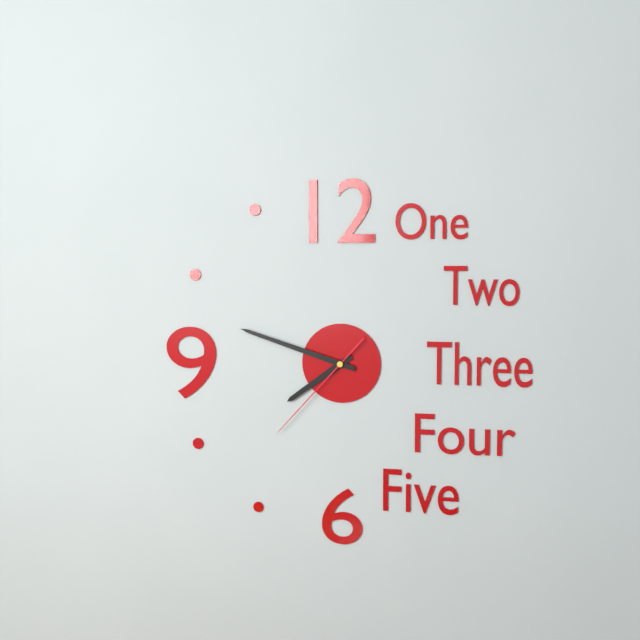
7:48:37
